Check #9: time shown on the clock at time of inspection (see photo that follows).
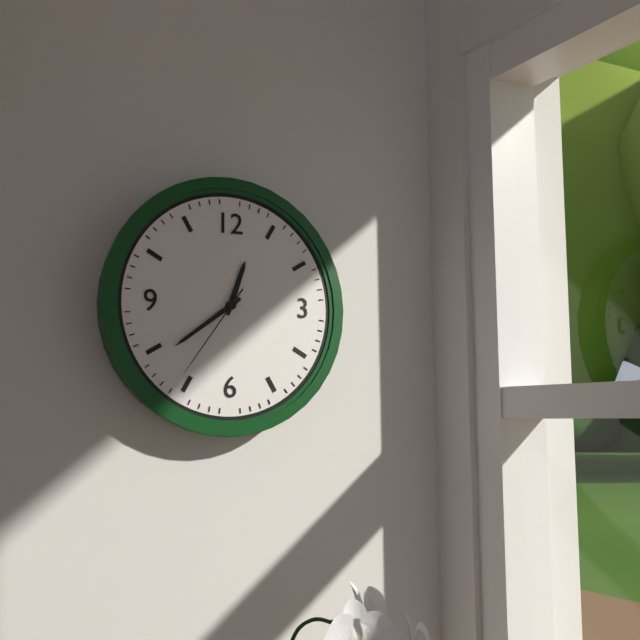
12:39:36
